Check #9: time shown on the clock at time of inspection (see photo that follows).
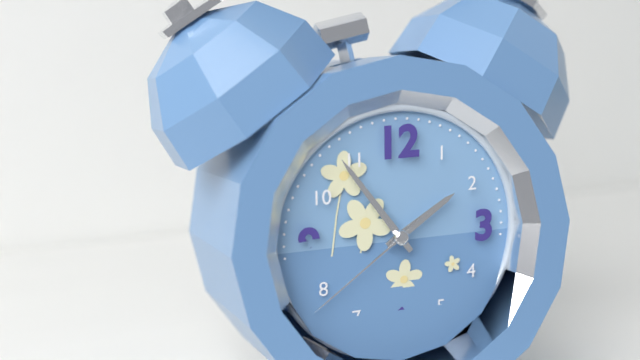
1:54:39
